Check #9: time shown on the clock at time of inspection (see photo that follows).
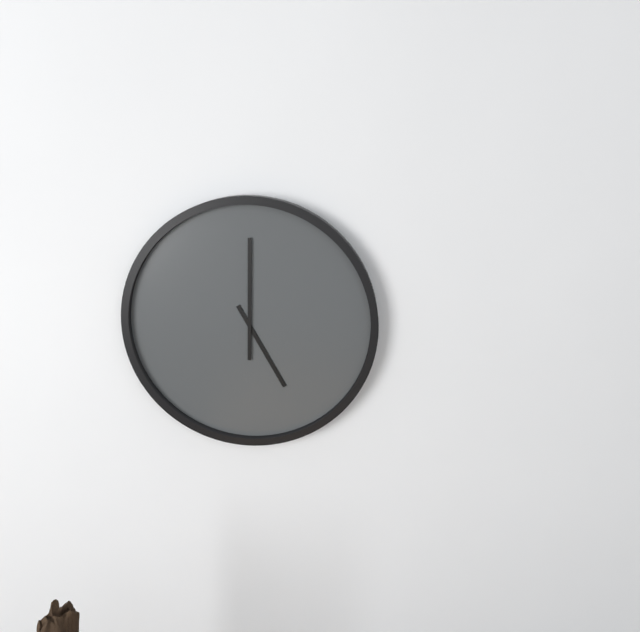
5:00
